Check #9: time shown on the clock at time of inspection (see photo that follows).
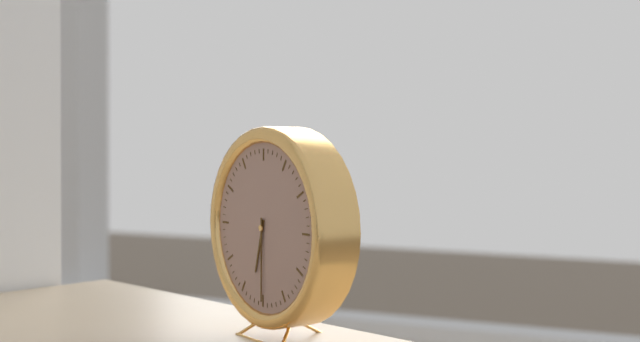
6:30
